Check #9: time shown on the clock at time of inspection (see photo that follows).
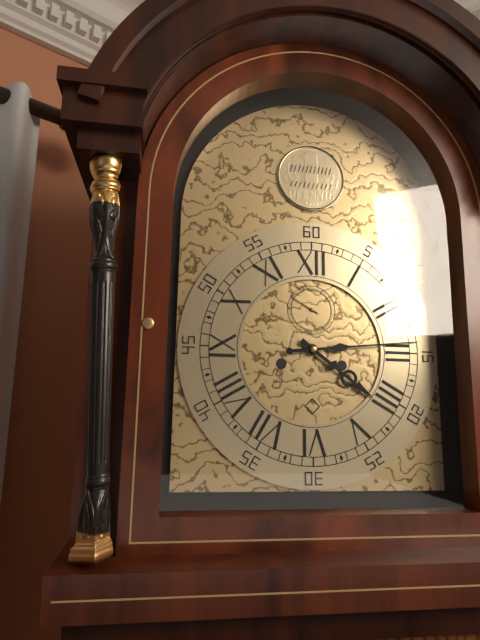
4:14
